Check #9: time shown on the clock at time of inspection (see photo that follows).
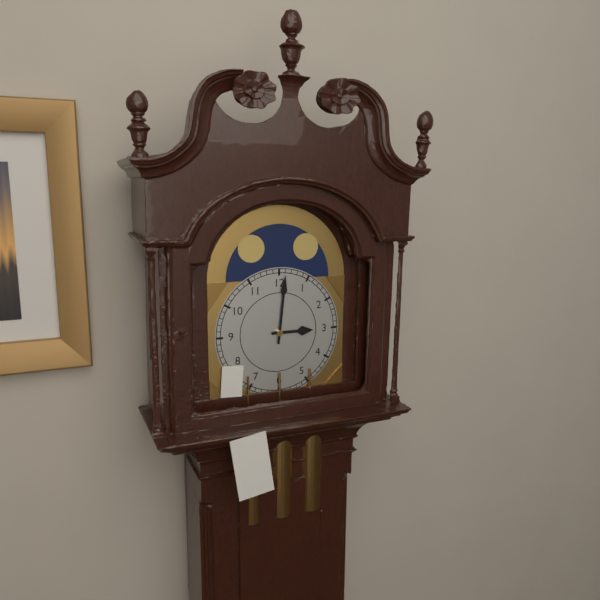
3:01
